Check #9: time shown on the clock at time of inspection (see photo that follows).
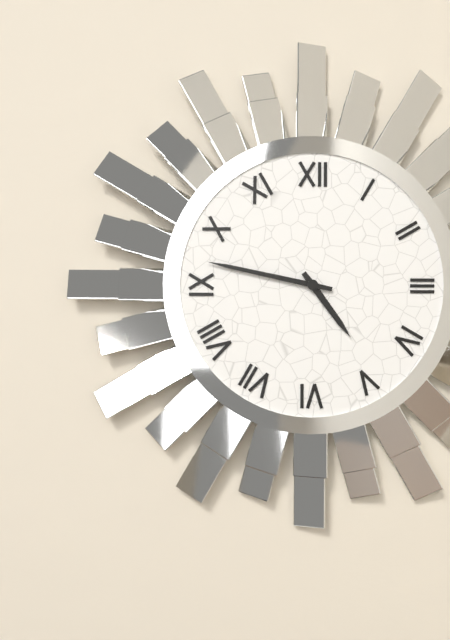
4:47
